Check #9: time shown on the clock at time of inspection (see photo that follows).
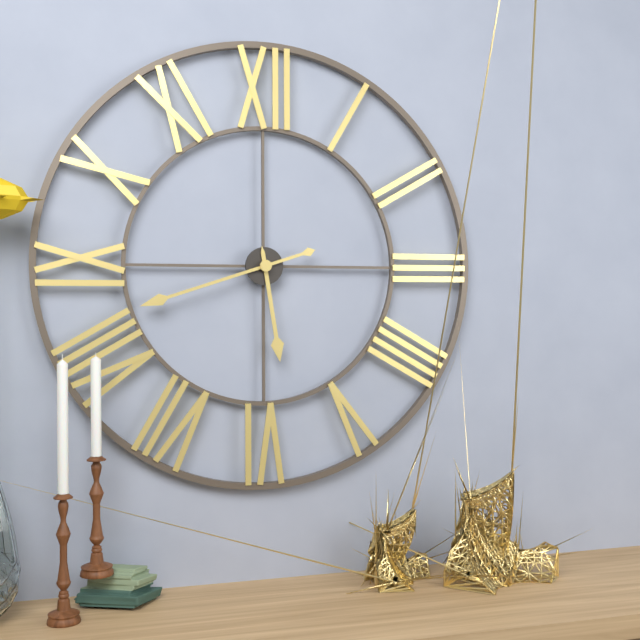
5:42
